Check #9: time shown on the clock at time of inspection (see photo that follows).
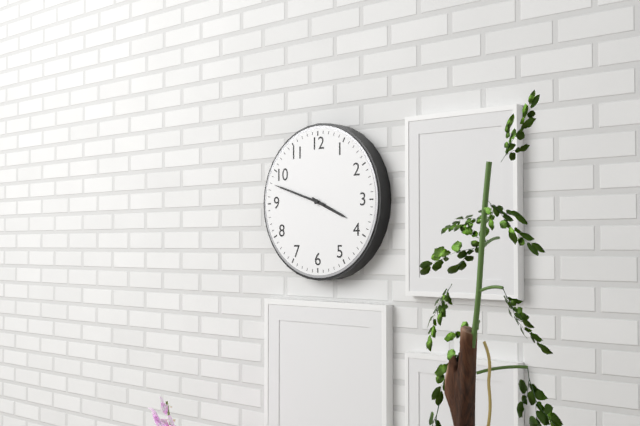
3:48
